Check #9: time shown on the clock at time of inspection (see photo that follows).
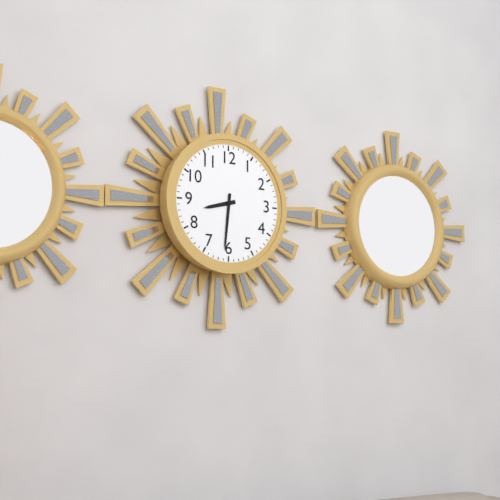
8:31
